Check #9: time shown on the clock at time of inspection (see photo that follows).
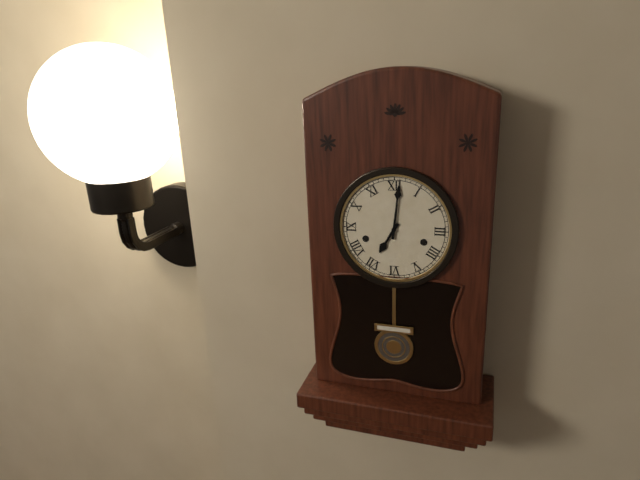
7:01
